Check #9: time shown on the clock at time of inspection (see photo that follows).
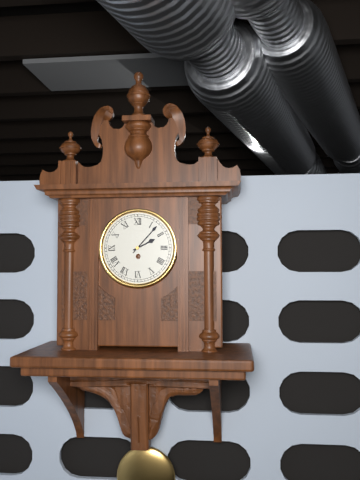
2:07
